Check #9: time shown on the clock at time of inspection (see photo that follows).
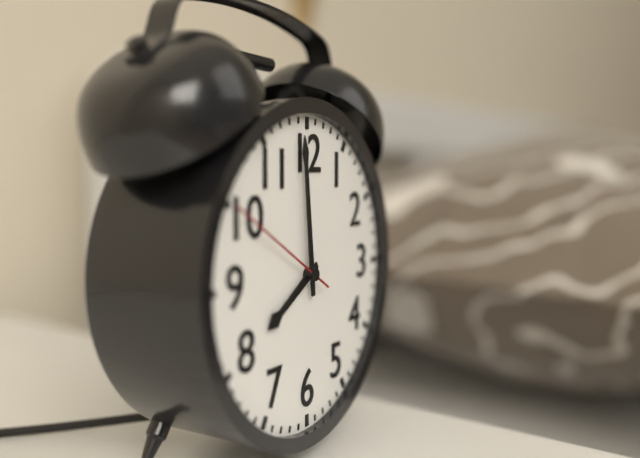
7:59:50
